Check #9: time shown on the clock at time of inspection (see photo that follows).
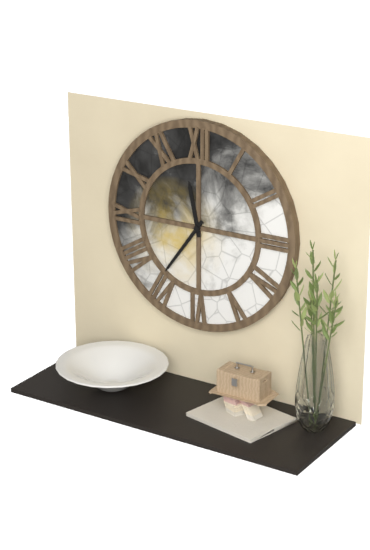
11:36
